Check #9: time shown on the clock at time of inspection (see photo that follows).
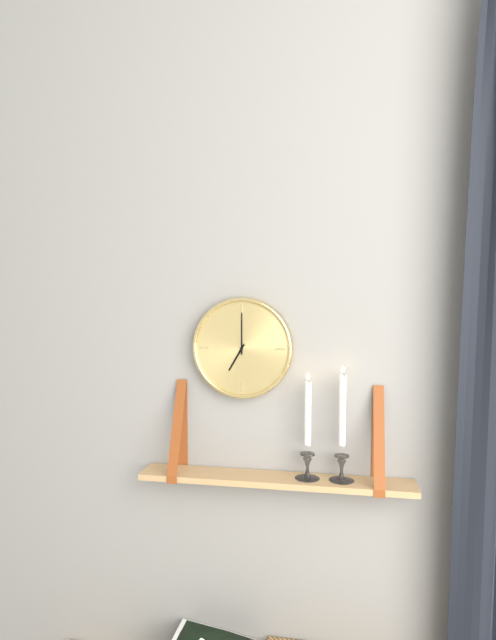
7:00
